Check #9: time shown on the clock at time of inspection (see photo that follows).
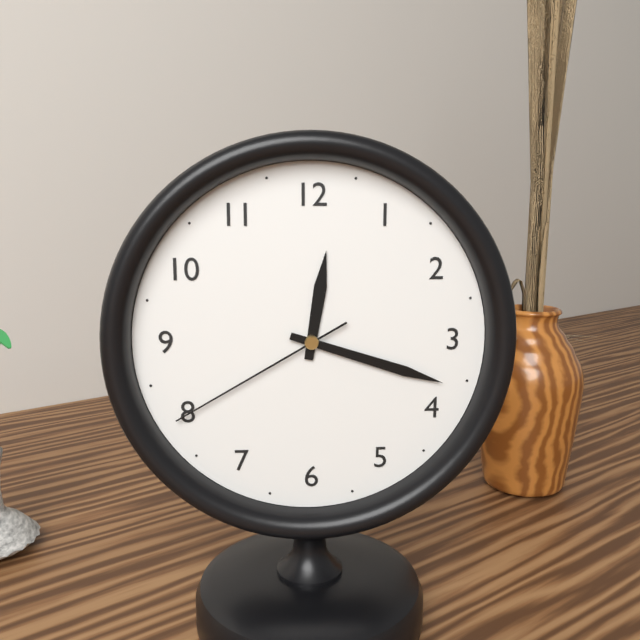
12:18:40
